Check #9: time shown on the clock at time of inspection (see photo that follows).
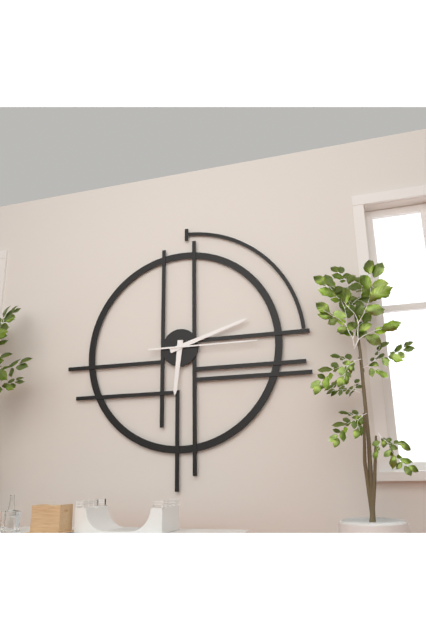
6:12:15
